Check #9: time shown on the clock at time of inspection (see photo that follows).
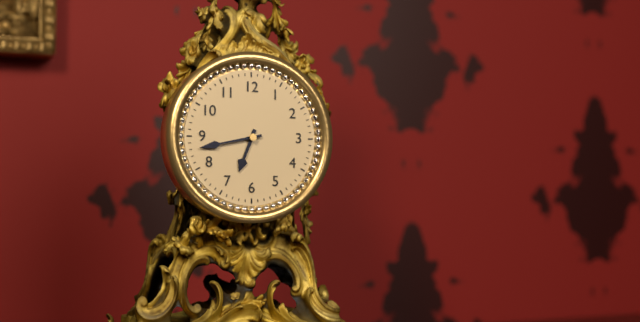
6:43
